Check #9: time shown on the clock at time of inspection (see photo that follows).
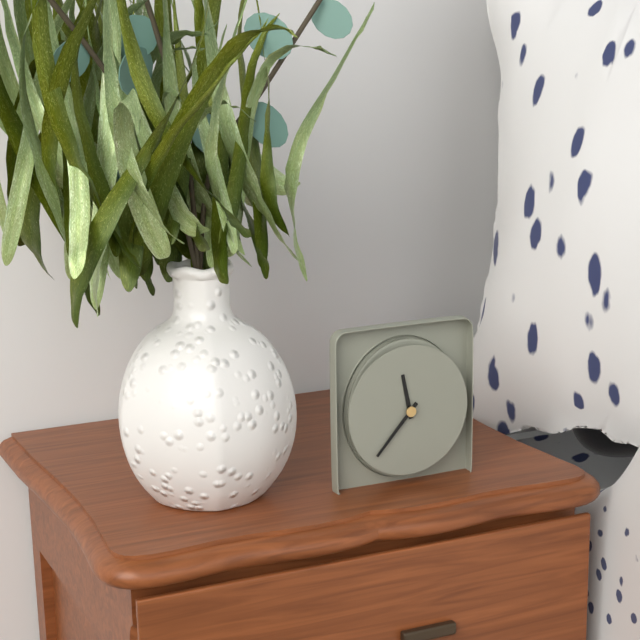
11:37
